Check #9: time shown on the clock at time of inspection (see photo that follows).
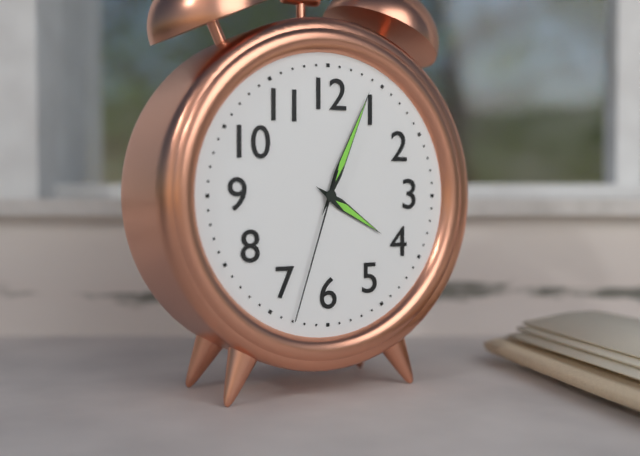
4:04:33
